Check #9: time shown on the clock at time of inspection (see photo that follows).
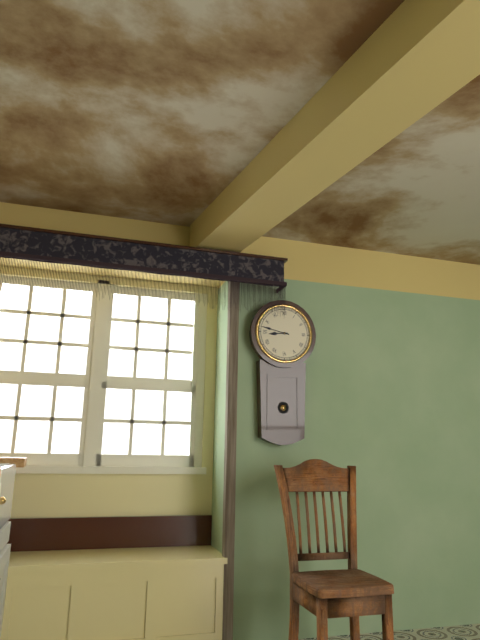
8:47
